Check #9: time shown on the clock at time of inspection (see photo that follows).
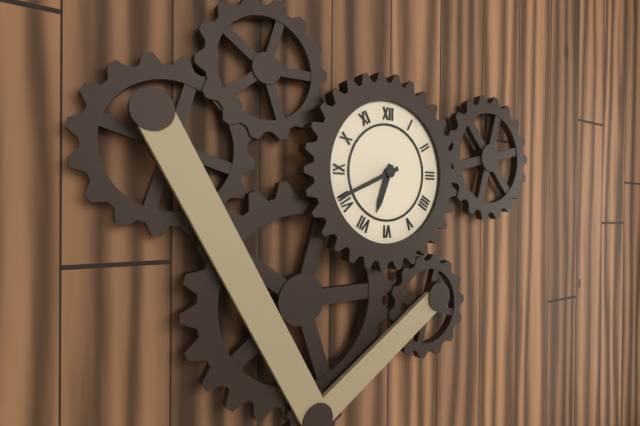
6:41
